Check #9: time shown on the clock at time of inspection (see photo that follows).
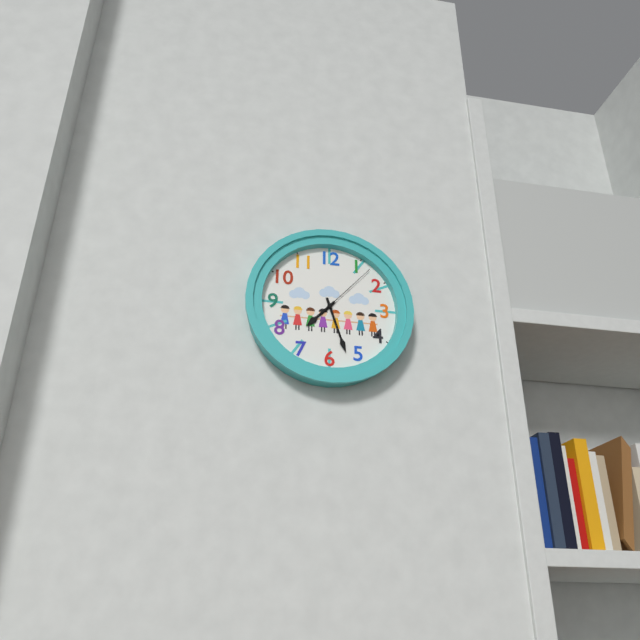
7:27:07
